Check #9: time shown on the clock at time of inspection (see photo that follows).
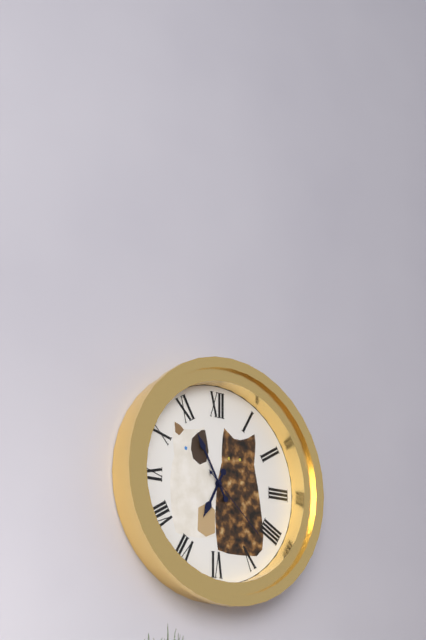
6:55:22
